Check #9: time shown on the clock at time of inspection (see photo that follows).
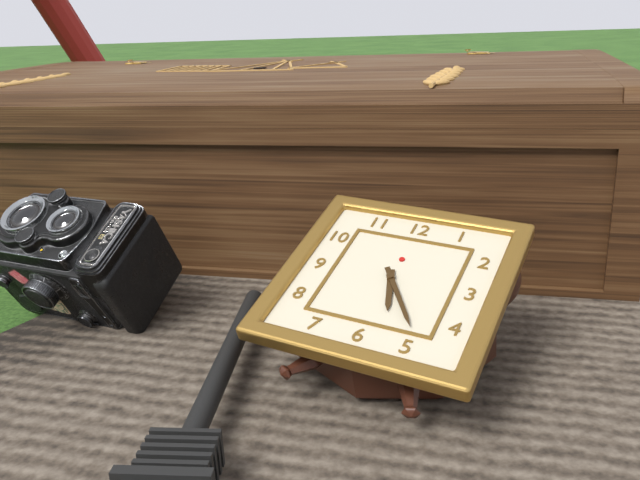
5:24
